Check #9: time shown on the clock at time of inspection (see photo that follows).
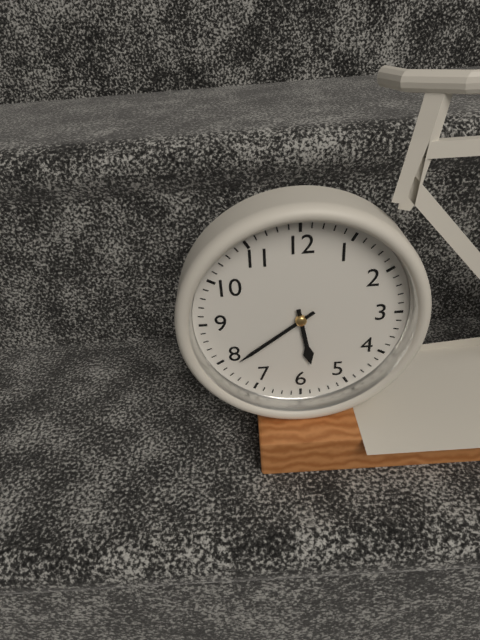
5:39
